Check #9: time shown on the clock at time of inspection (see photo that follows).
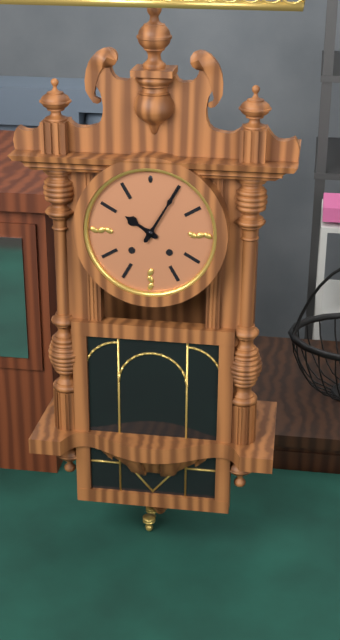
10:05
